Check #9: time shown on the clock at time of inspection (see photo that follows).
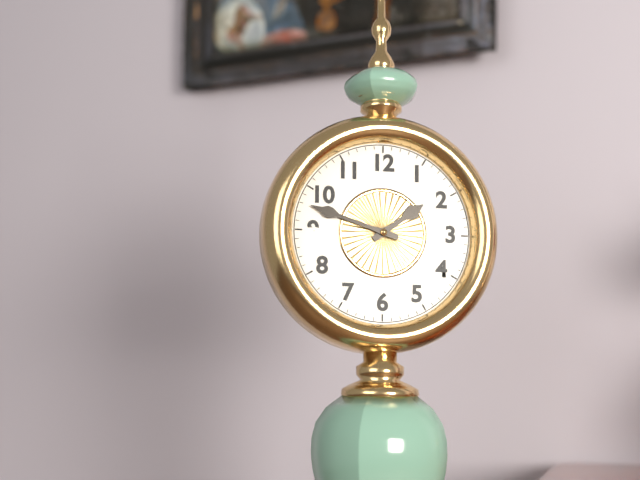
1:48
